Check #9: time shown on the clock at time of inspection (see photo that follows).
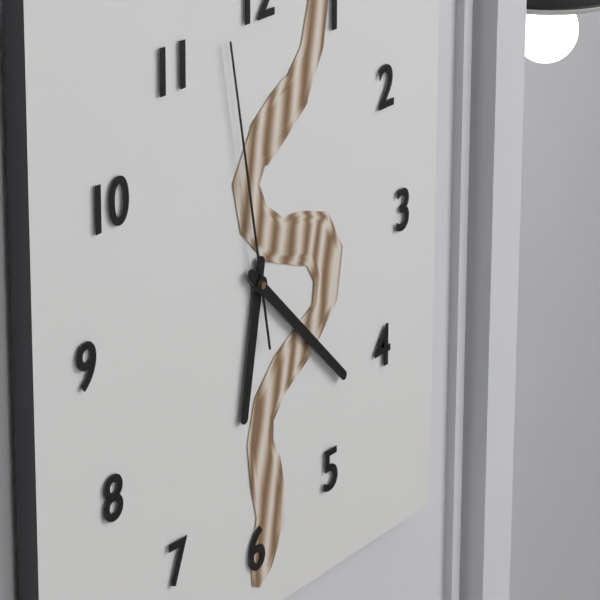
6:22:58
